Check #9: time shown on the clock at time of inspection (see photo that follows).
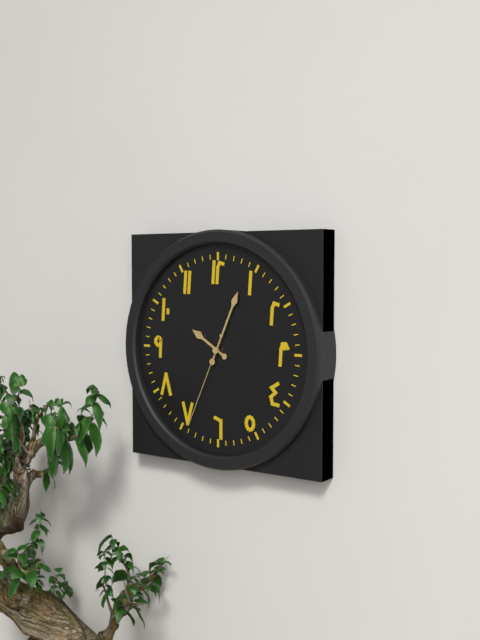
10:04:34
